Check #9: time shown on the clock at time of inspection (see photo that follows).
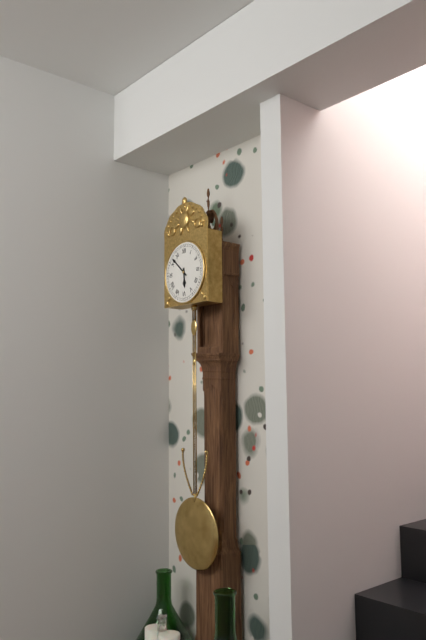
5:52
